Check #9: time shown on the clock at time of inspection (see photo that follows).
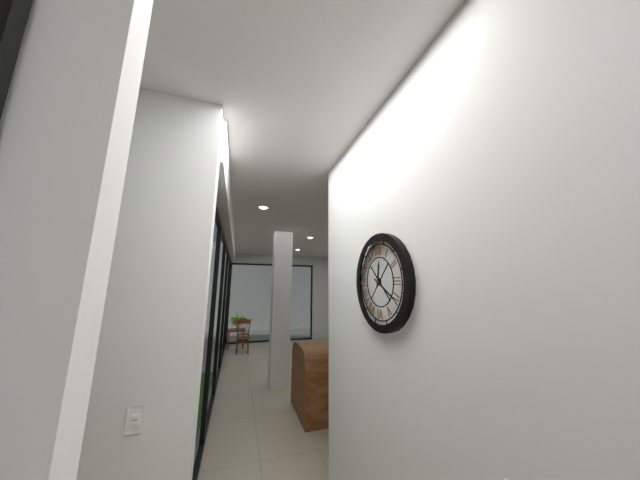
12:20
